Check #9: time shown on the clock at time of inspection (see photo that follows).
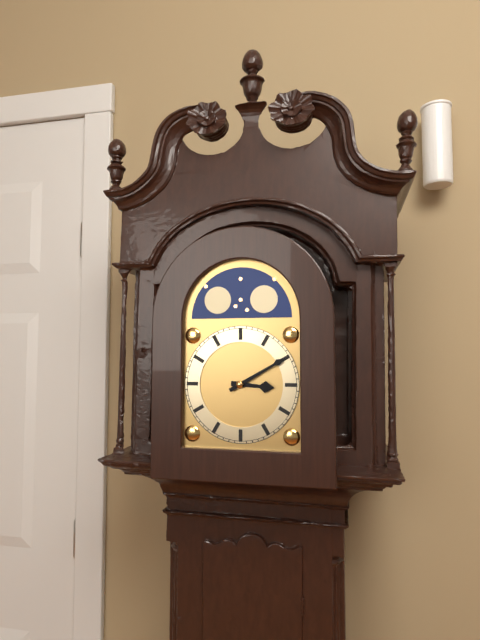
3:10
